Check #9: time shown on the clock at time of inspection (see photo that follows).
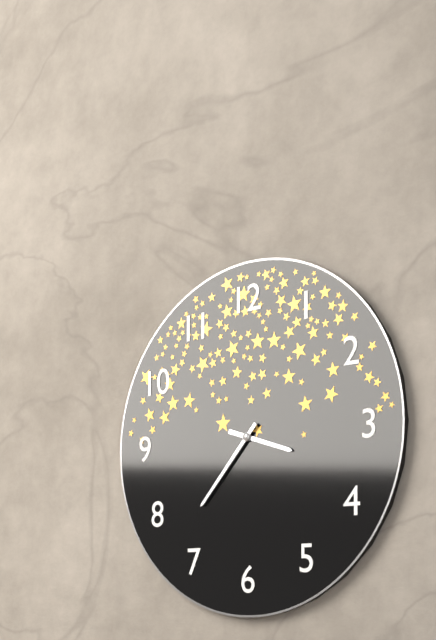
3:37
